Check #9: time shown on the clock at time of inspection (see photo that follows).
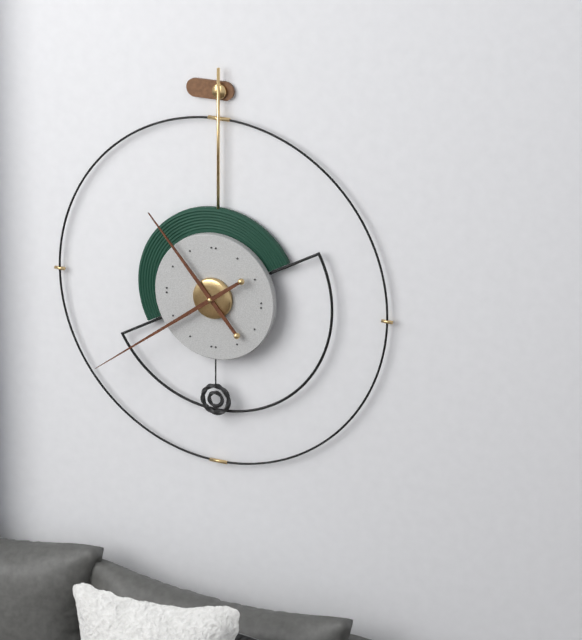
10:39
